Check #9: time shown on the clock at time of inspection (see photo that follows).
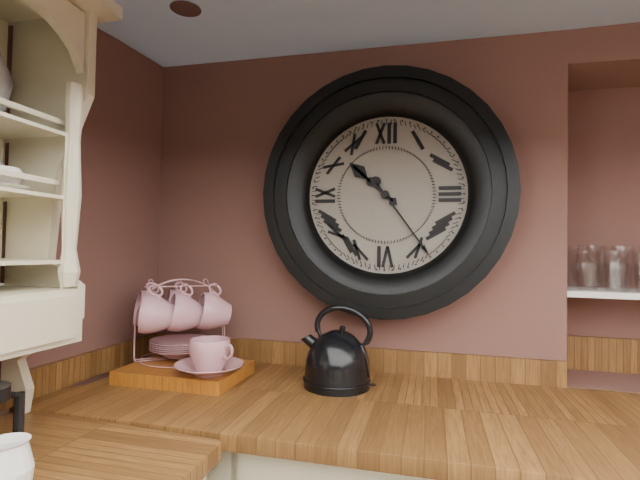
10:24
